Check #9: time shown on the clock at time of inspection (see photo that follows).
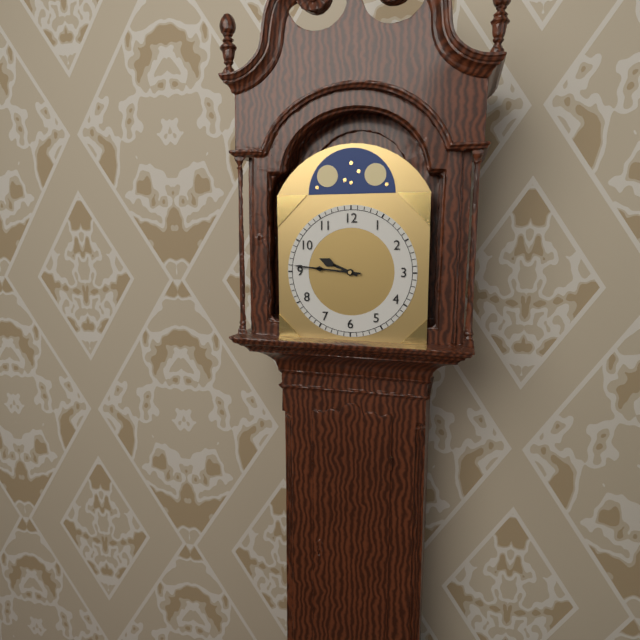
9:46
